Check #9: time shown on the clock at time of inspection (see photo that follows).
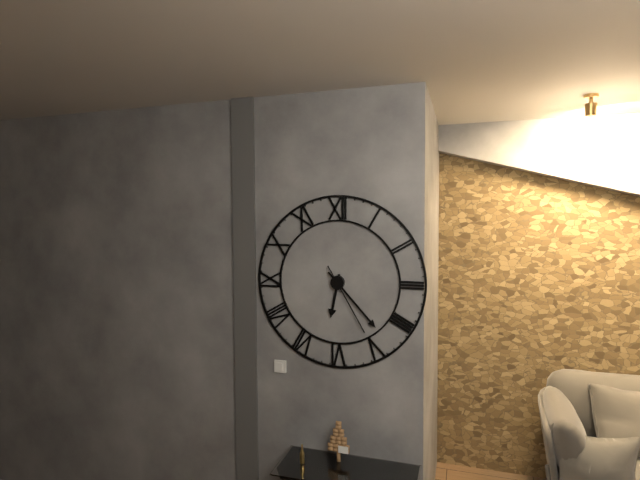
6:23:25
